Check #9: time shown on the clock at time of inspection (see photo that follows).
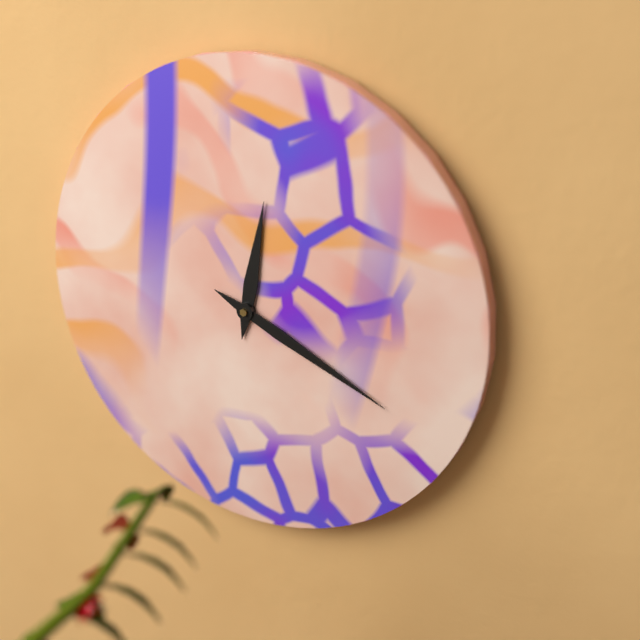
12:19
